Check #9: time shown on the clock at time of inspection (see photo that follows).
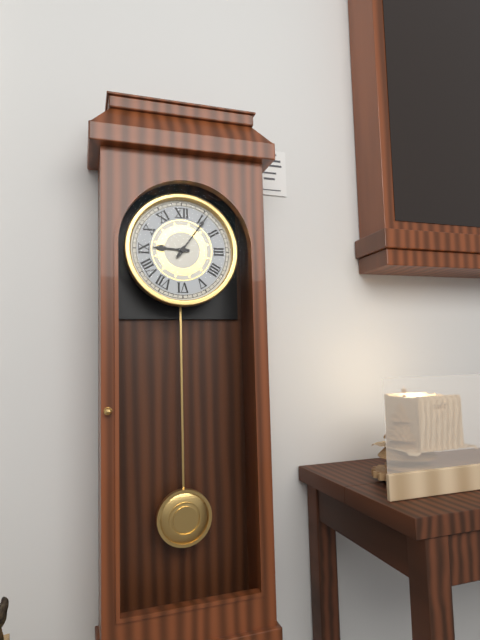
9:06
